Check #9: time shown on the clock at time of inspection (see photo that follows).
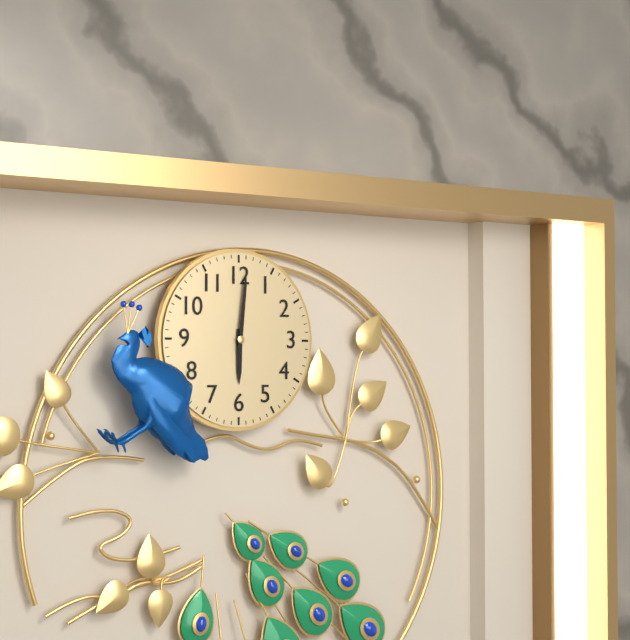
6:01
